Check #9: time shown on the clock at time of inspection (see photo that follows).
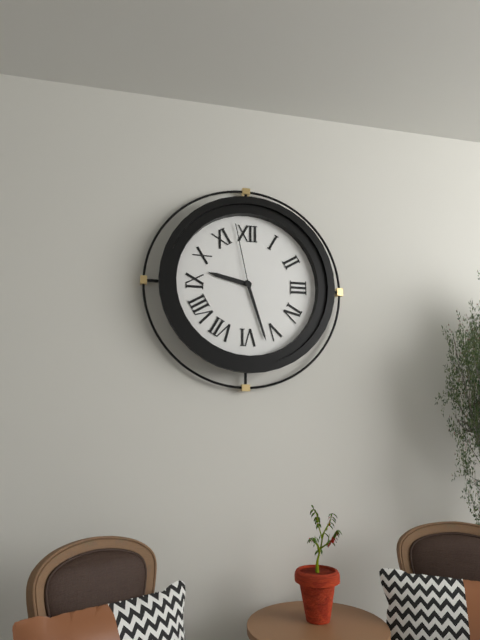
9:27:58
